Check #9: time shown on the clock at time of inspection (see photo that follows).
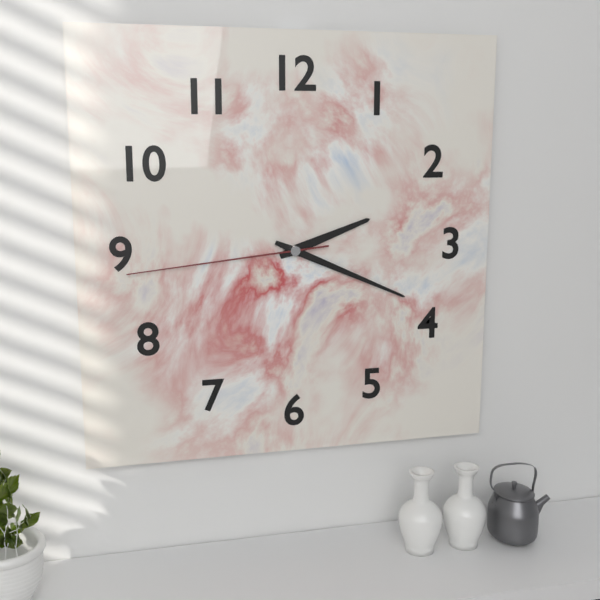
2:19:44
